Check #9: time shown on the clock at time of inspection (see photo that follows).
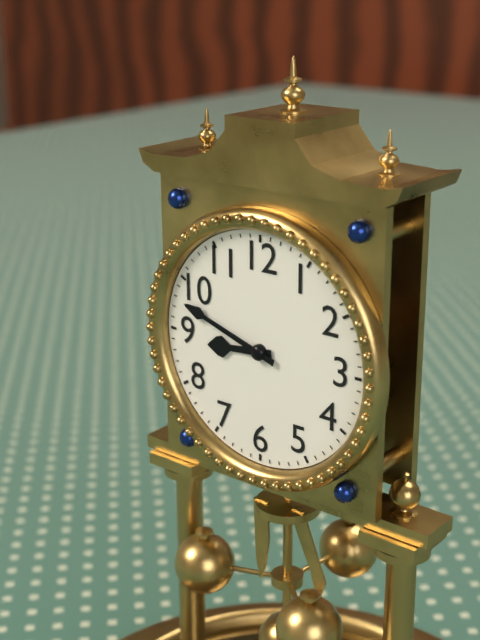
8:48
